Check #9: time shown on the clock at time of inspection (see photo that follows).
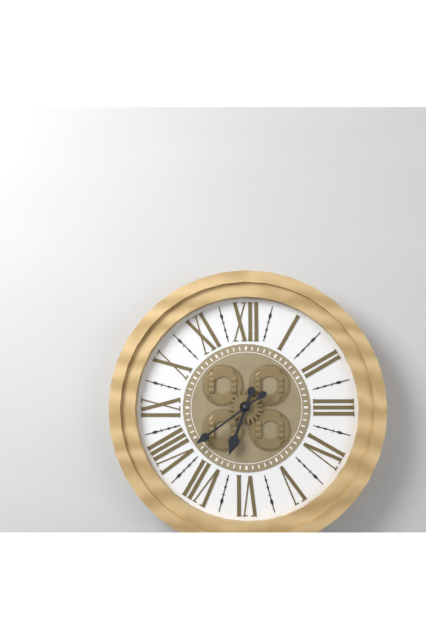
6:39
